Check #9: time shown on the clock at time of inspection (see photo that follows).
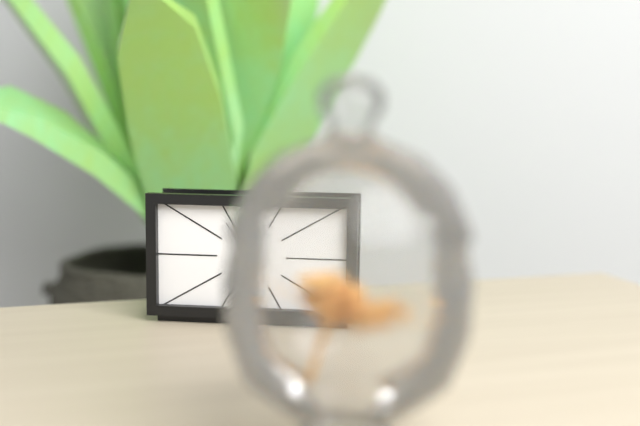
10:35:54
